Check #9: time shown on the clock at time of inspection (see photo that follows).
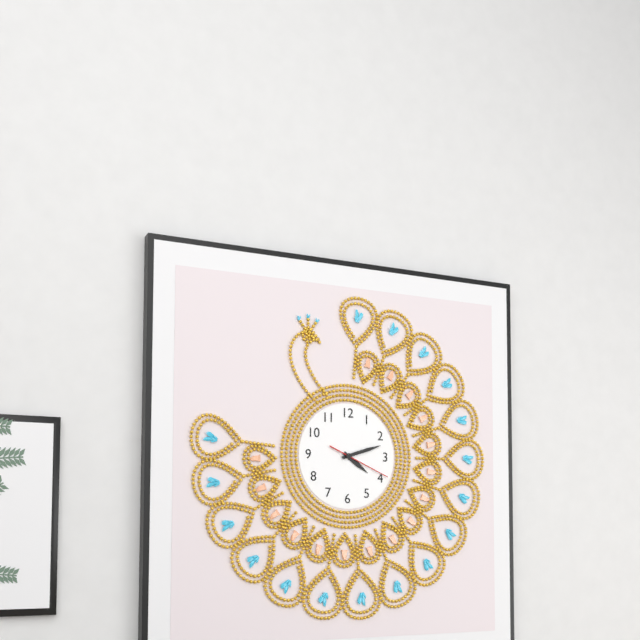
4:12:19
